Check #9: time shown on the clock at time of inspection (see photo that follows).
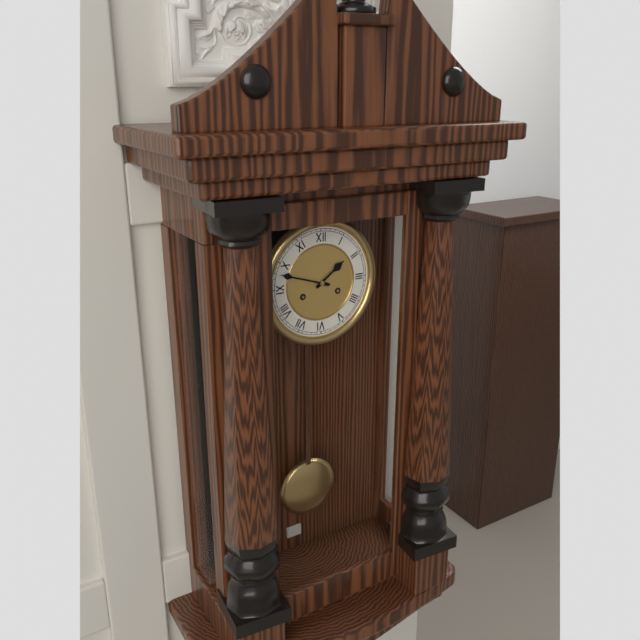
1:48
